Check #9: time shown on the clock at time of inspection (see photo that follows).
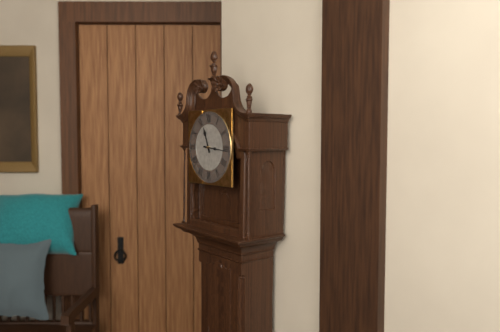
11:16
